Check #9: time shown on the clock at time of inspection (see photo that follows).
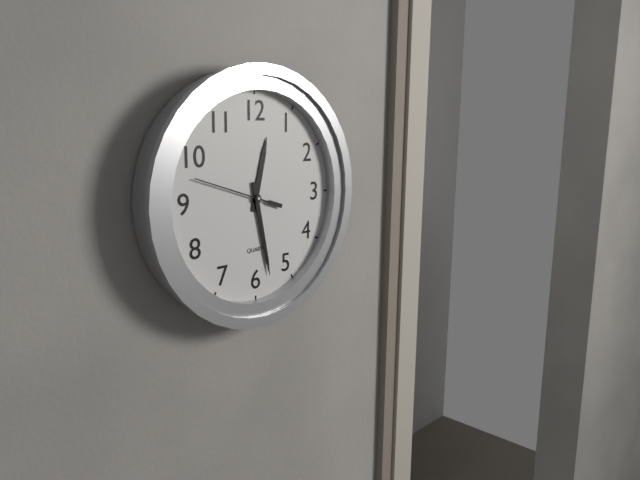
12:28:48
